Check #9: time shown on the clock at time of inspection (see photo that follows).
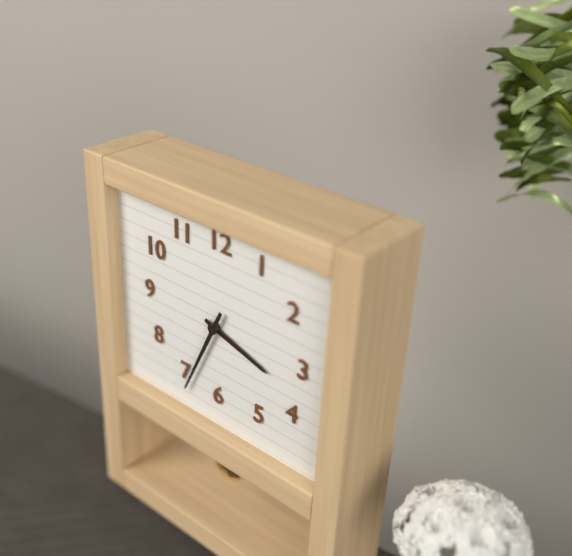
3:34
